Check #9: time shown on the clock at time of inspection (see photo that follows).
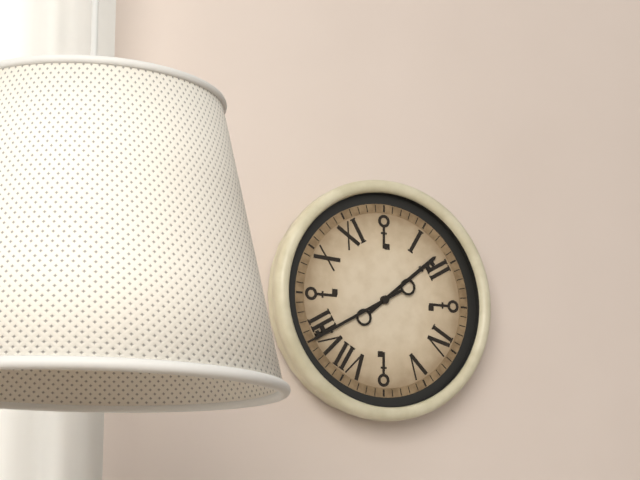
1:40
